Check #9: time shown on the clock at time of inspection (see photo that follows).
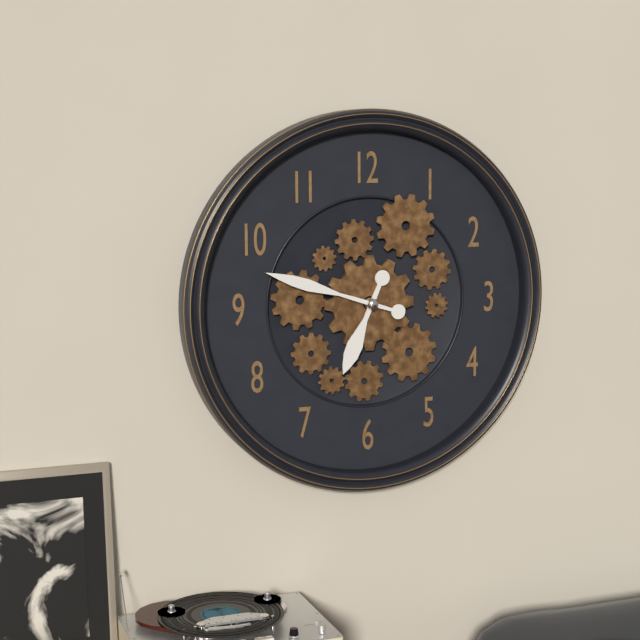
6:48
